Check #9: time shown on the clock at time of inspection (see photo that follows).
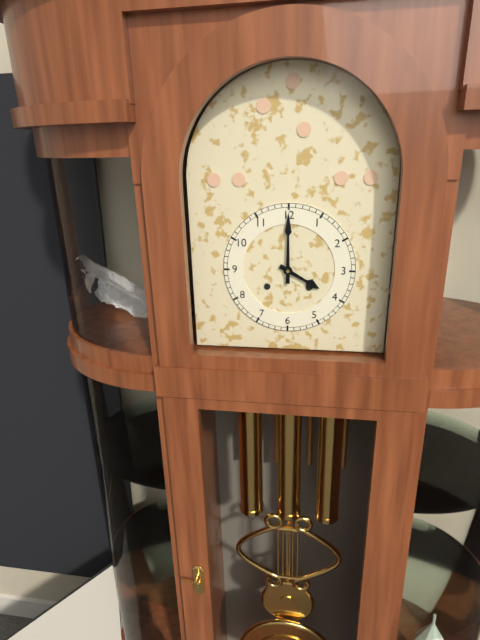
4:00
